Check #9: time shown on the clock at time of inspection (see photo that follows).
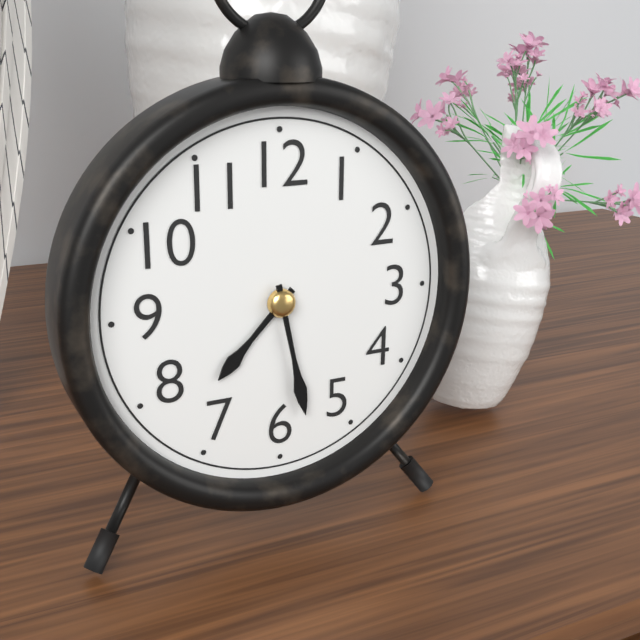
7:28
